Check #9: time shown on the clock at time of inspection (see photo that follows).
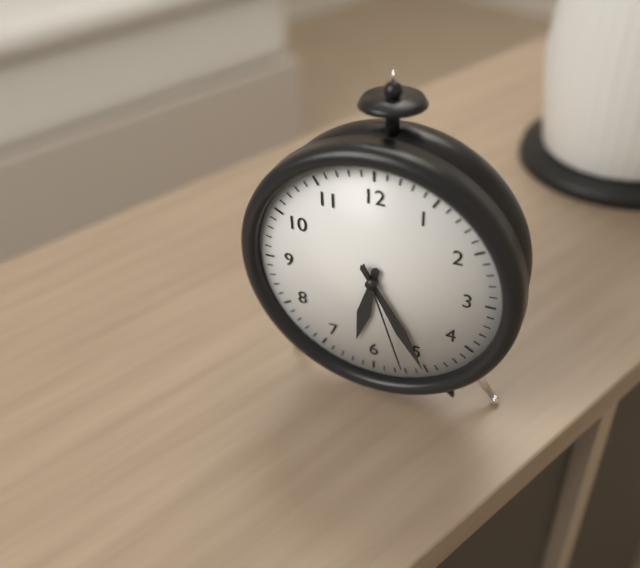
6:25:27
